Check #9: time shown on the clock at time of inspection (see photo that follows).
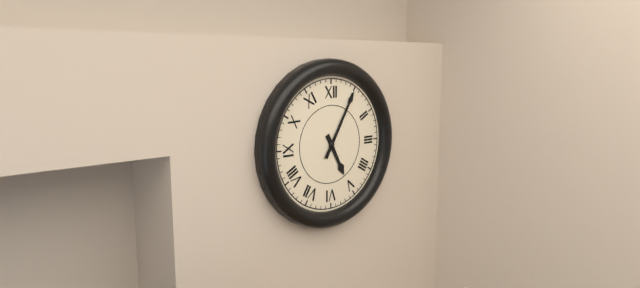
5:05
